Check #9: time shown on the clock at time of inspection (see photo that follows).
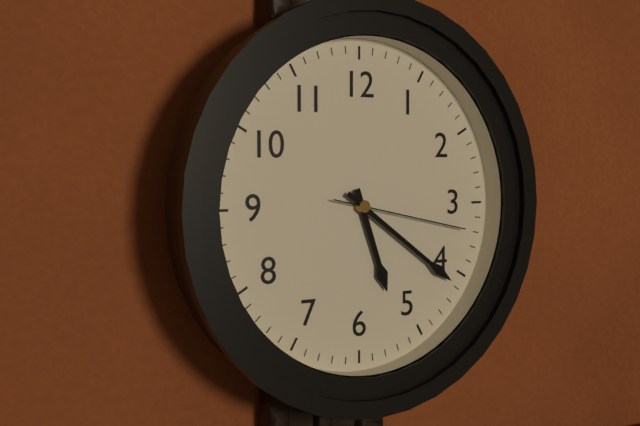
5:21:17
